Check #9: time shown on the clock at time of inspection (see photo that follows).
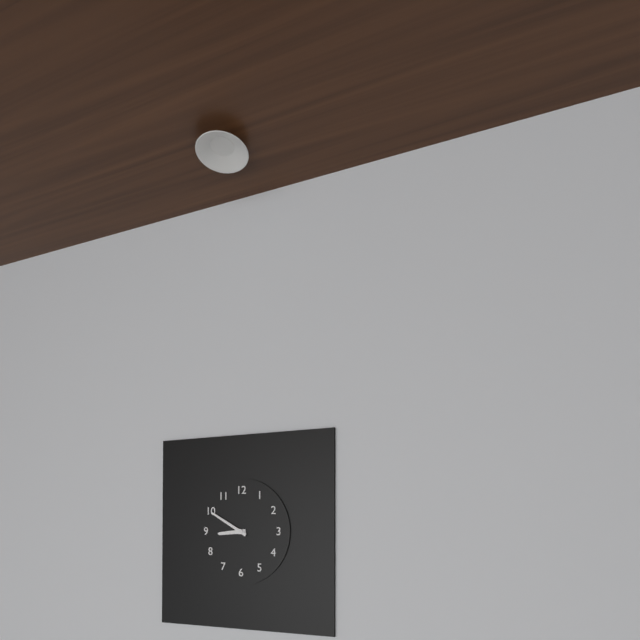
8:50
